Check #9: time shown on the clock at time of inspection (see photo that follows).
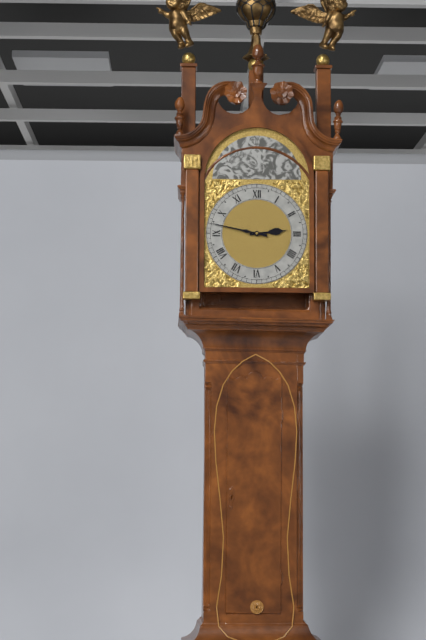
2:47
